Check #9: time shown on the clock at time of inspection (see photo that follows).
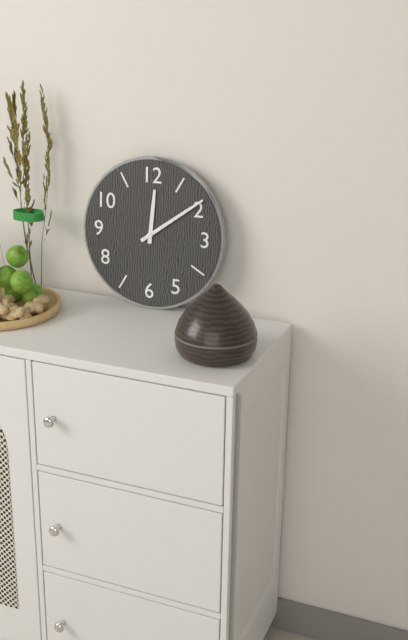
12:09
